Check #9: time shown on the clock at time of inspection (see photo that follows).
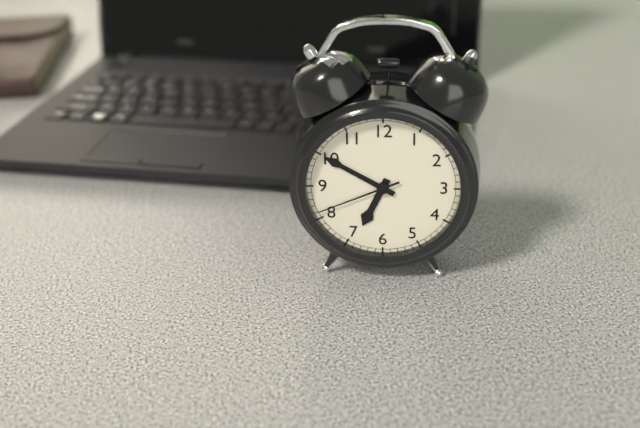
6:50:41
